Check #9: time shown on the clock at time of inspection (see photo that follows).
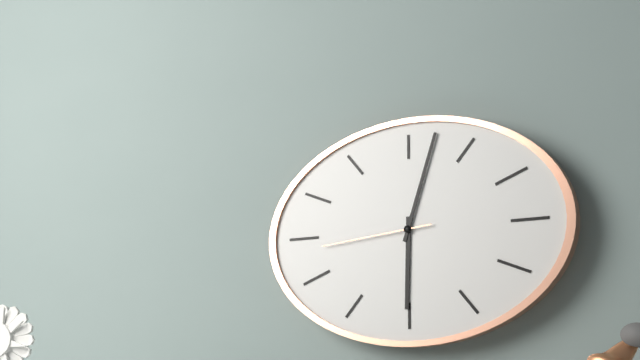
6:03:44
